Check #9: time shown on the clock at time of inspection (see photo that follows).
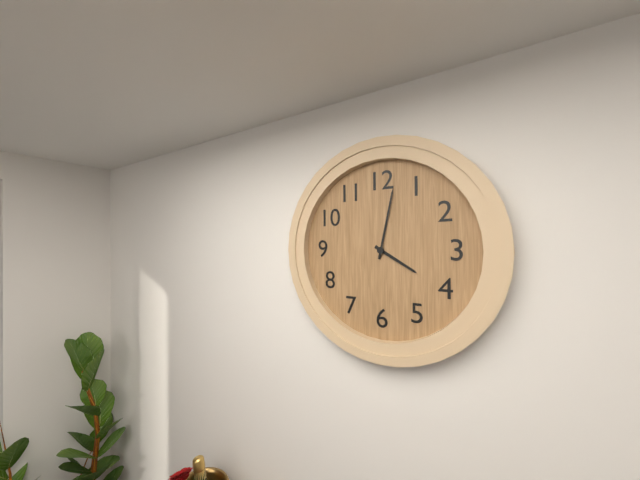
4:02
